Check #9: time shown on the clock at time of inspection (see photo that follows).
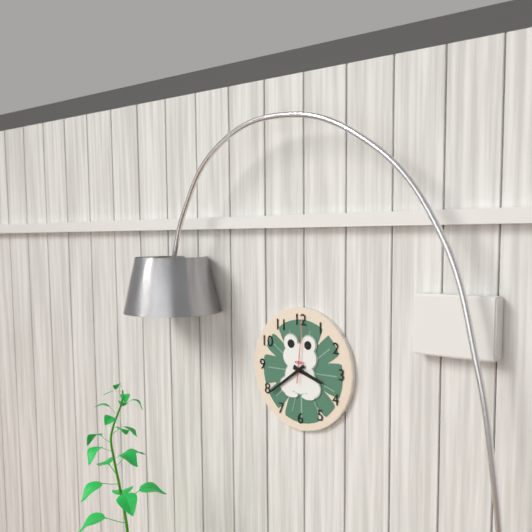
3:39:01
